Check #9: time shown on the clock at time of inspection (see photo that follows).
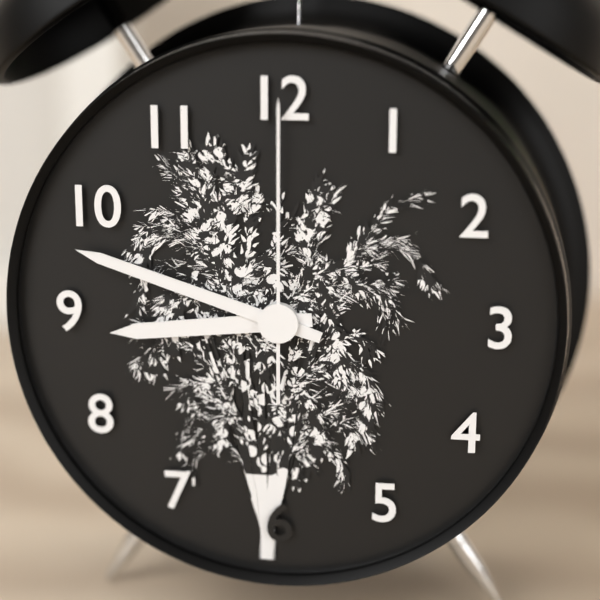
8:48:00
